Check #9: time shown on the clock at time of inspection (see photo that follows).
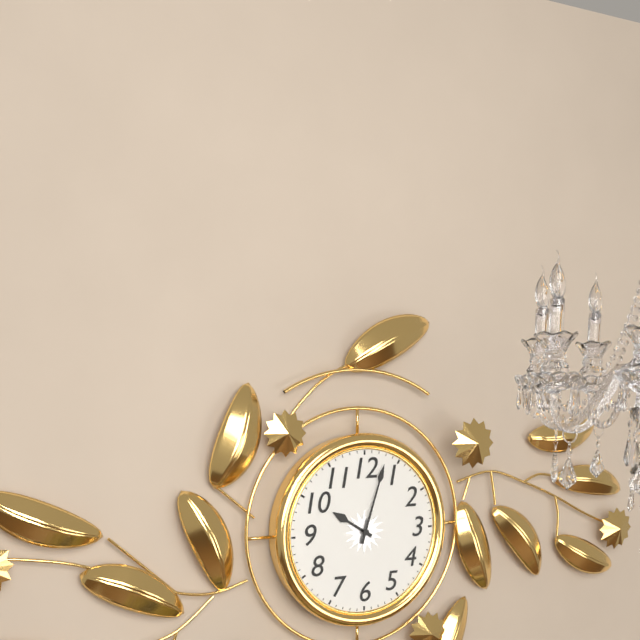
10:03
